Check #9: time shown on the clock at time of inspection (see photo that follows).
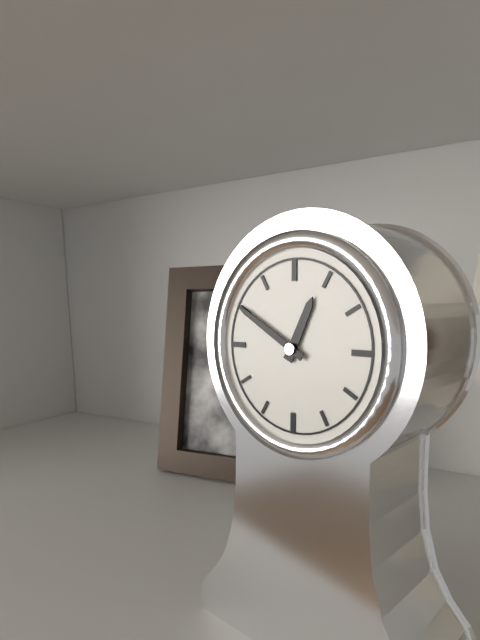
12:50
